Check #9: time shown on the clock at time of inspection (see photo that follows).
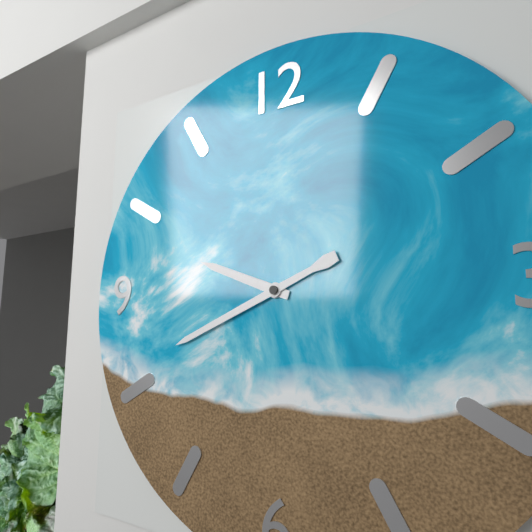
9:41
